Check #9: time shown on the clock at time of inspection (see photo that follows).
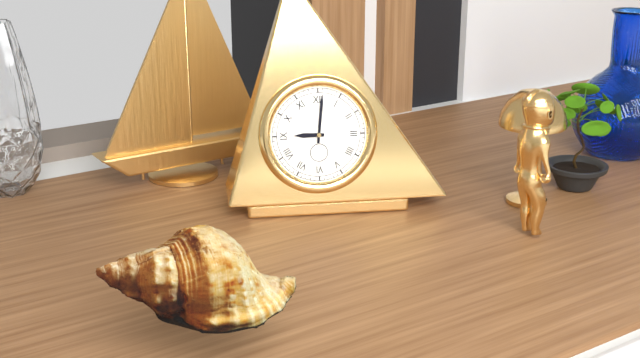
9:01
